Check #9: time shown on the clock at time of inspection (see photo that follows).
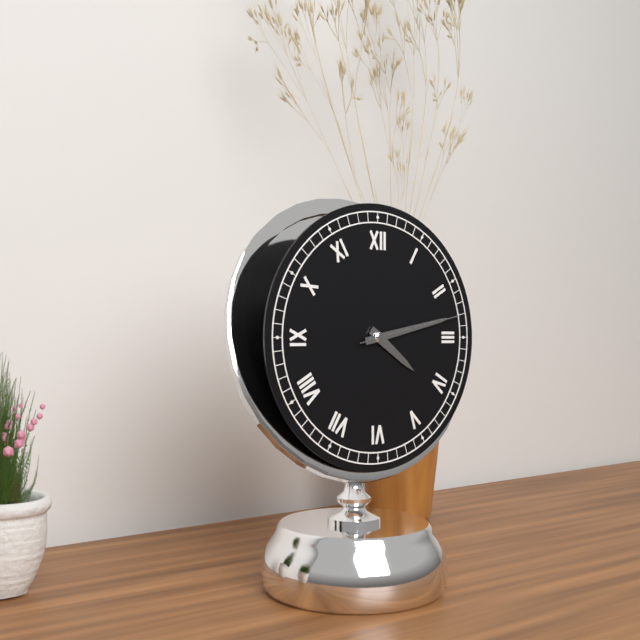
4:13:13
